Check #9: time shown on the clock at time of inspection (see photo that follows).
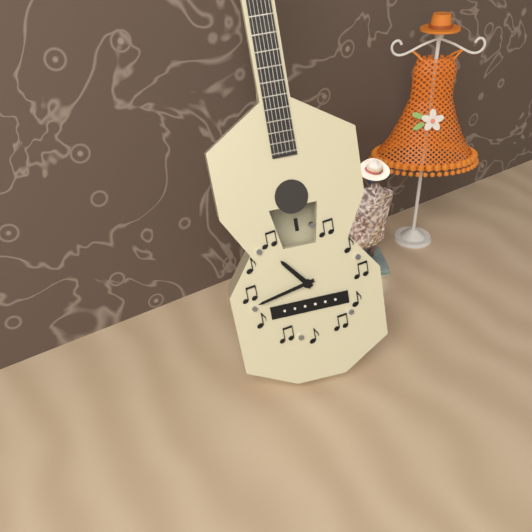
10:43
